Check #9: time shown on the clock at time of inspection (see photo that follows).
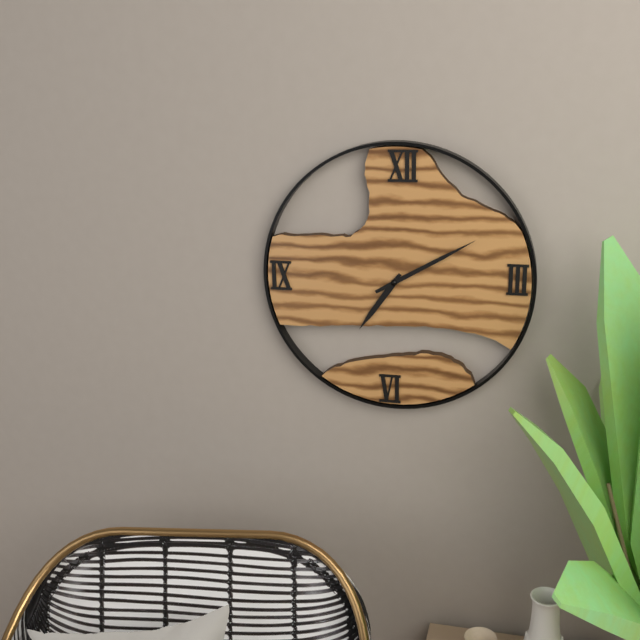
7:10
